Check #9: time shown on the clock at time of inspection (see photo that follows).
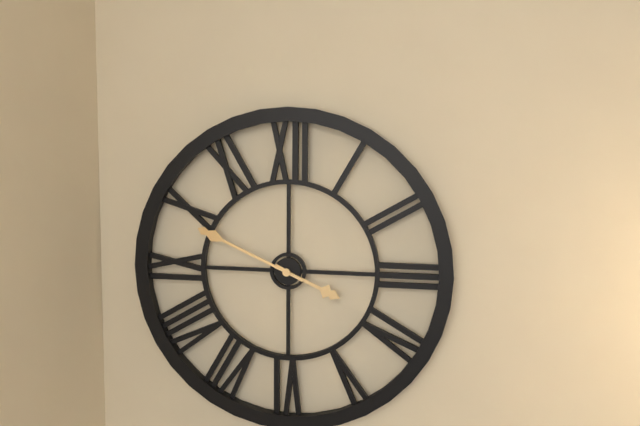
3:49
